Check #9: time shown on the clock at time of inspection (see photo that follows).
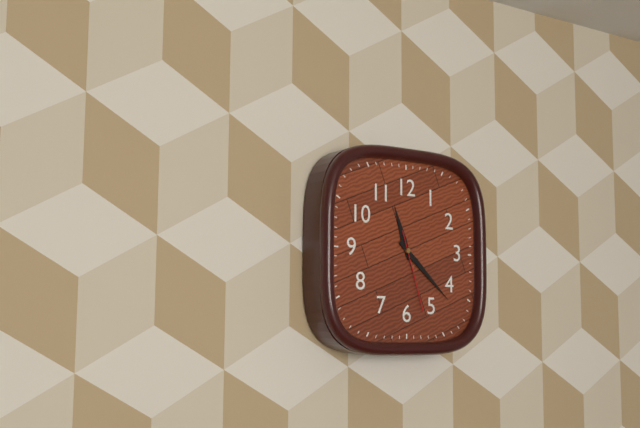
11:22:27
